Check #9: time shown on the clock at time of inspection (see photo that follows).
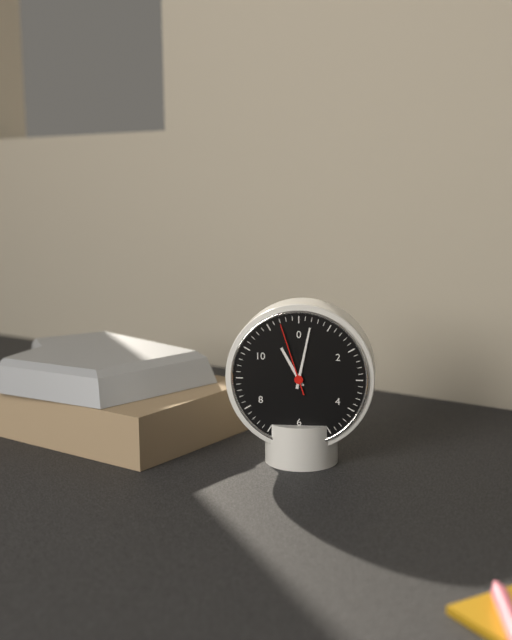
11:02:57
